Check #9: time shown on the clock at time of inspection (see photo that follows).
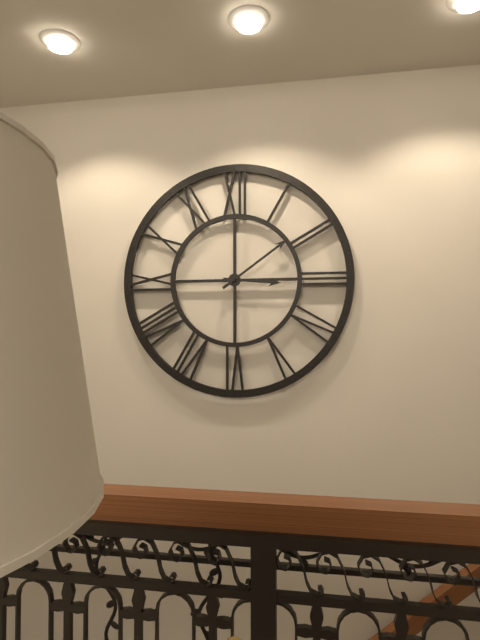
3:09
